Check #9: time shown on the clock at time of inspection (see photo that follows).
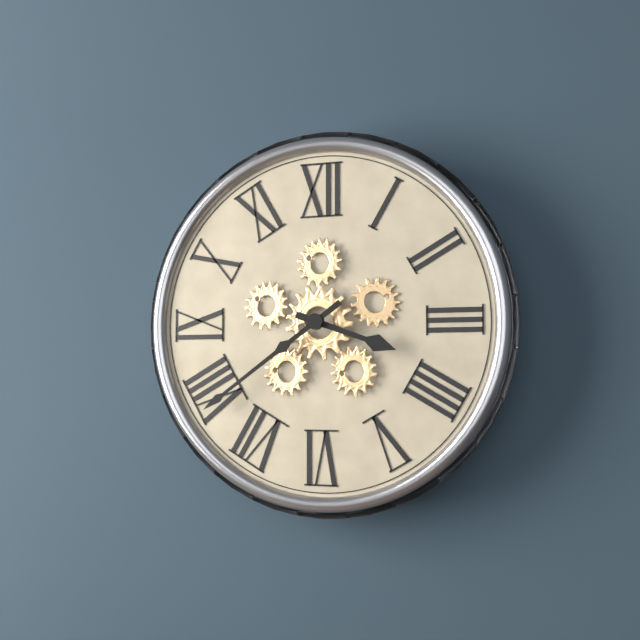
3:39
